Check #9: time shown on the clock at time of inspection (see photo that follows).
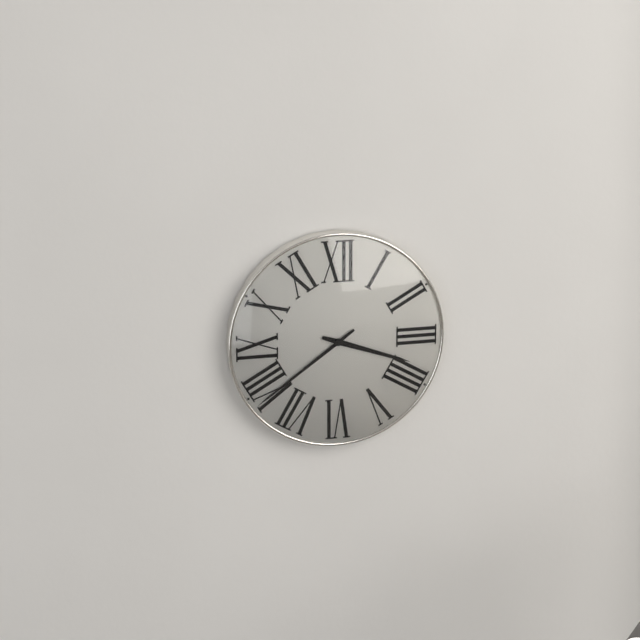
3:39
